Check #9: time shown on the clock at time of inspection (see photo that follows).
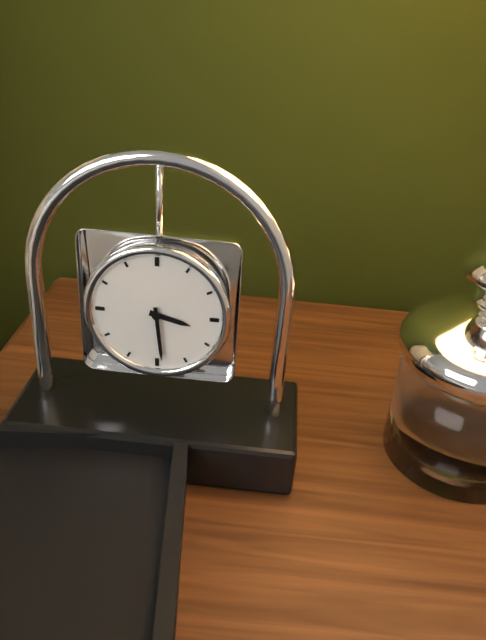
3:29
